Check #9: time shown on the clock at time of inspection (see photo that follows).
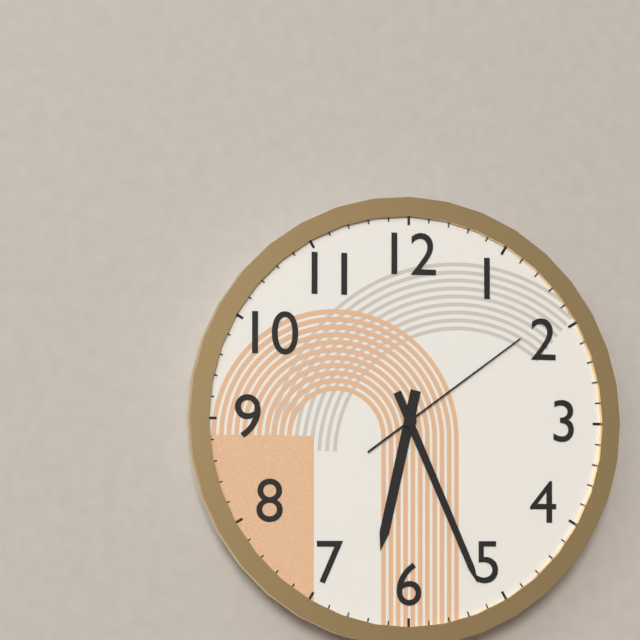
6:26:09
